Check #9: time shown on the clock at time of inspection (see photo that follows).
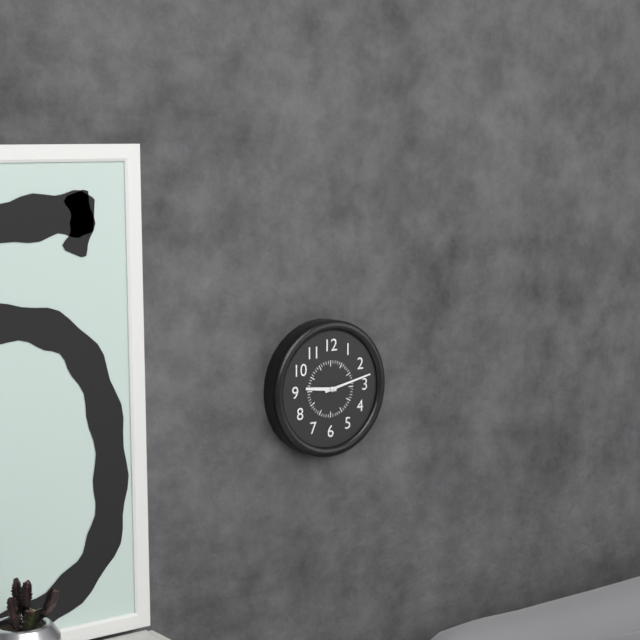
9:13
